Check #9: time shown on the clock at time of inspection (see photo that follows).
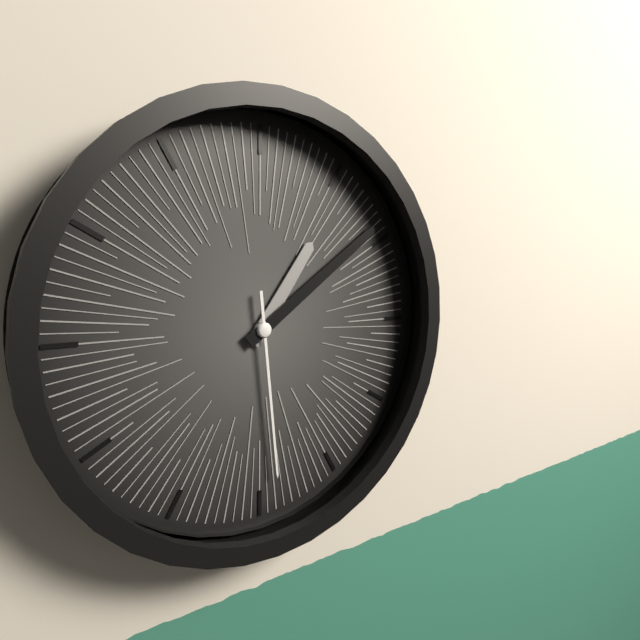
1:09:29
